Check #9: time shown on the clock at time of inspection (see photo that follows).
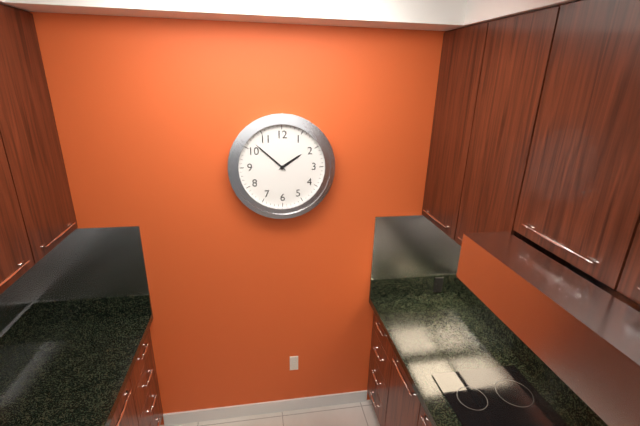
1:52
